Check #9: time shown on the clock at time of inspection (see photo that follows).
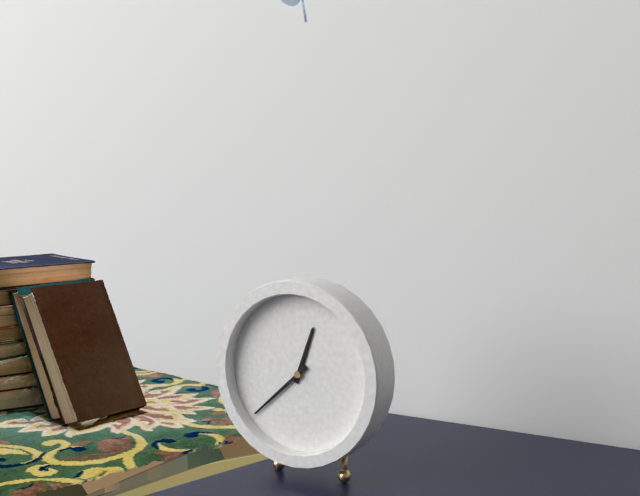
12:38
